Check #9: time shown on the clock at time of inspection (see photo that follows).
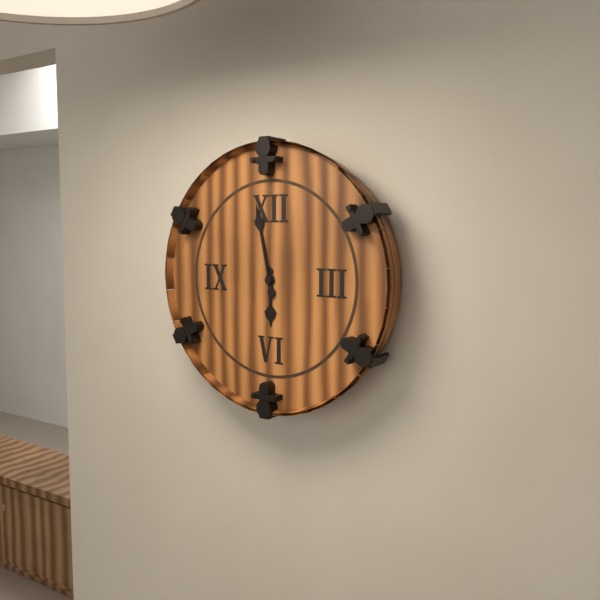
5:58
